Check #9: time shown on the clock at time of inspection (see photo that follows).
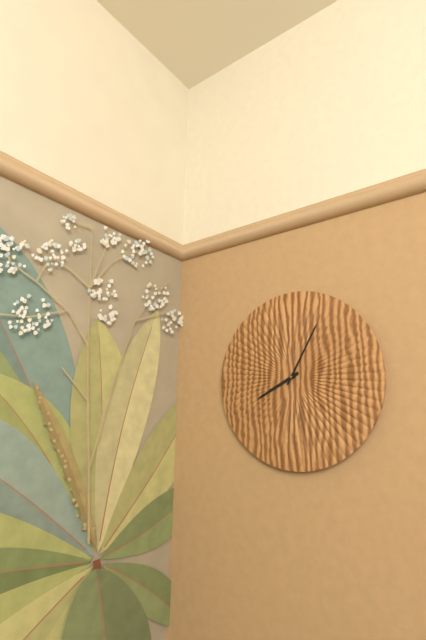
8:05
